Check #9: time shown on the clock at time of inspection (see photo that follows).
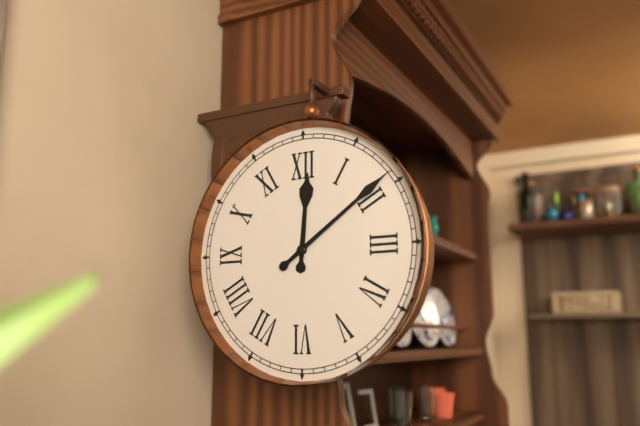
12:09
